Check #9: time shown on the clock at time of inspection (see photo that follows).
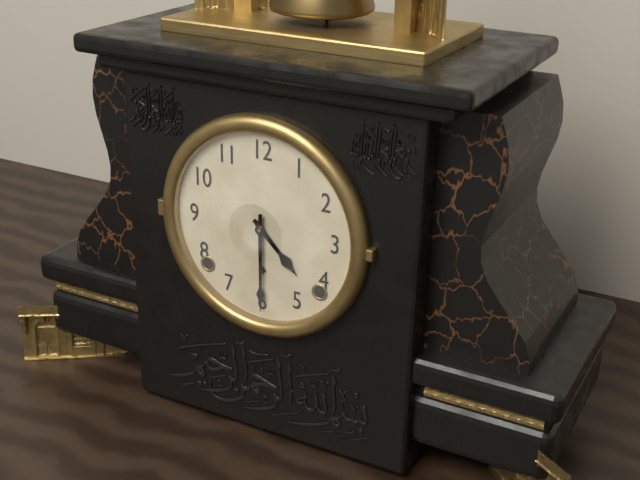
4:30
